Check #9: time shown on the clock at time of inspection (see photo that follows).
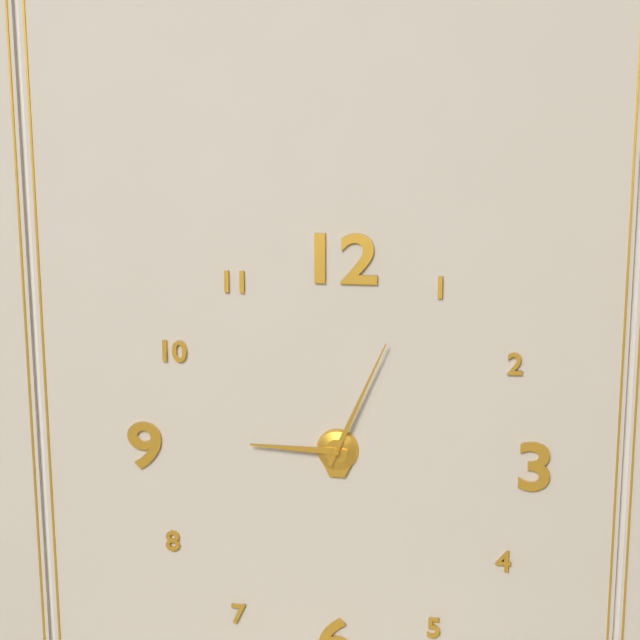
9:04
